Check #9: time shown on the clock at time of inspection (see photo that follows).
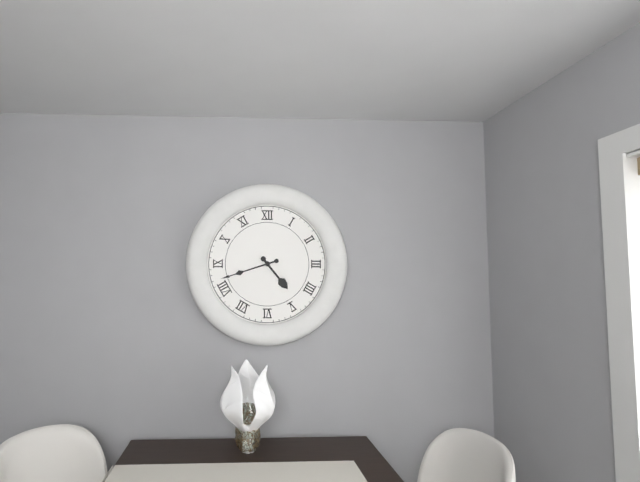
4:42
